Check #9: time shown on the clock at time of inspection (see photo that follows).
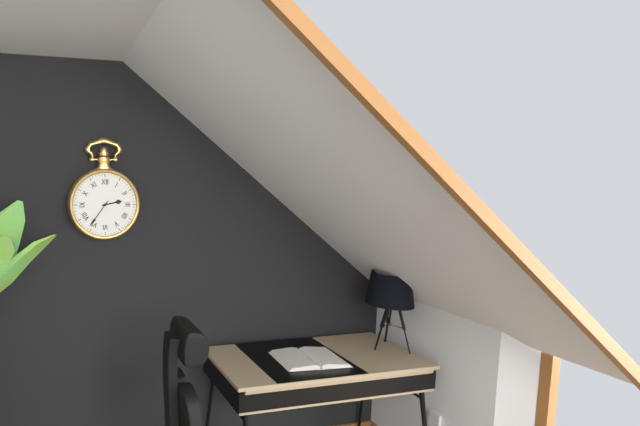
2:36
